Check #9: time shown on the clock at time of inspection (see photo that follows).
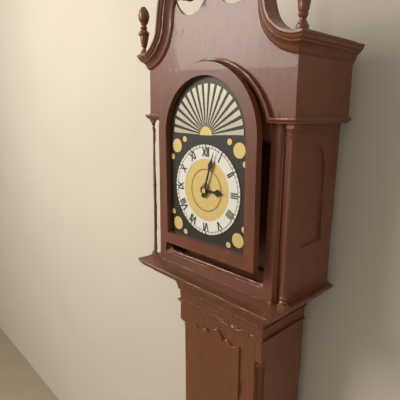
3:03
